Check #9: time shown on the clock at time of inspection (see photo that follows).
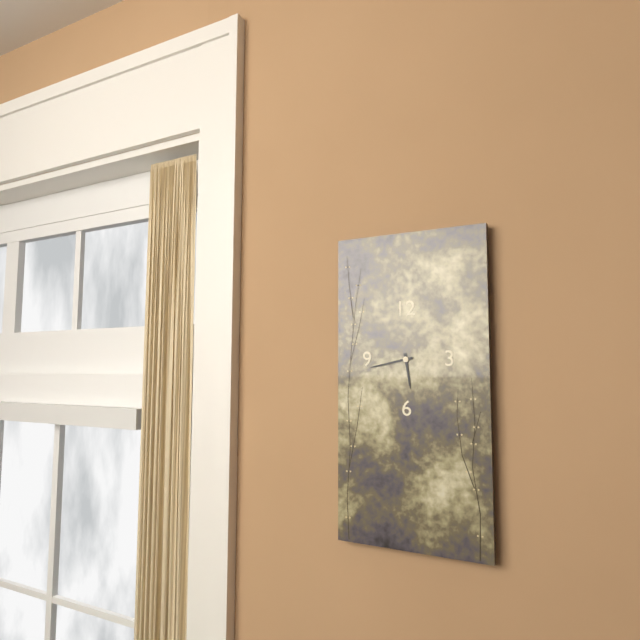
5:43
